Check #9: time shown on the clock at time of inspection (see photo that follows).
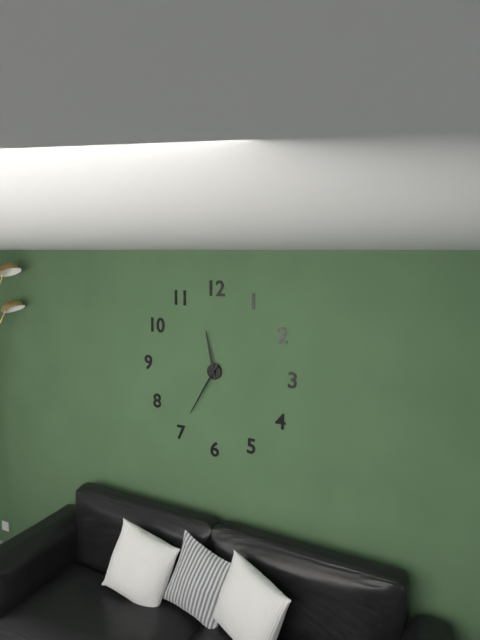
11:35
